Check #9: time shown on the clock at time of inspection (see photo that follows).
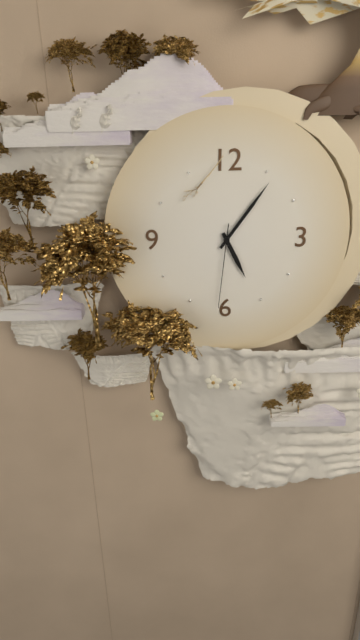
5:06:31
